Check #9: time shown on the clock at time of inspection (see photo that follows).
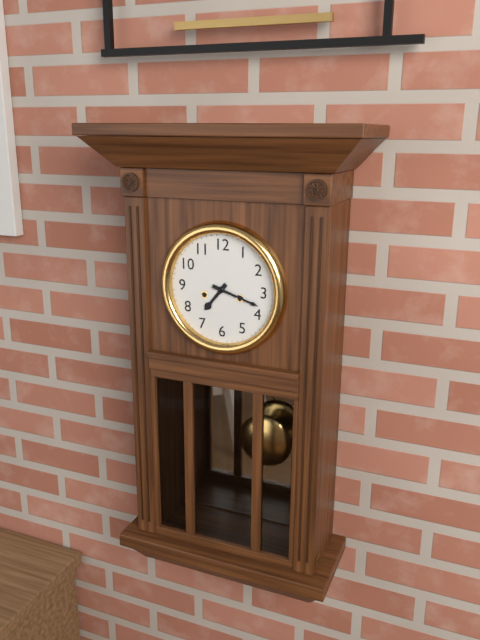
7:18
